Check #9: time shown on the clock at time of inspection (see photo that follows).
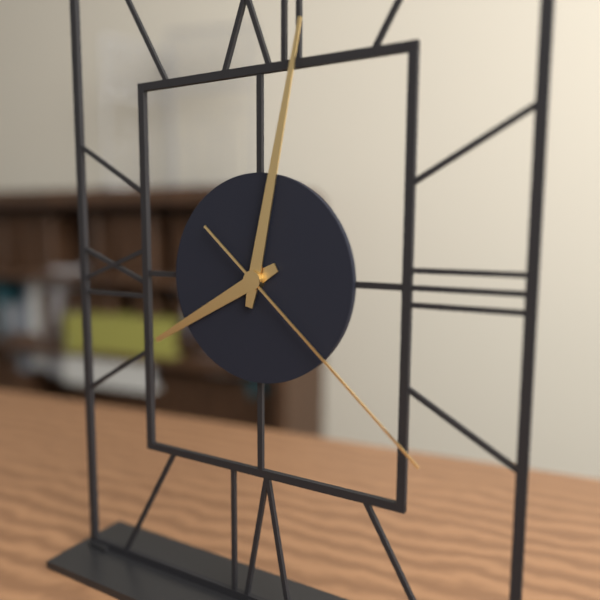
8:02:22
